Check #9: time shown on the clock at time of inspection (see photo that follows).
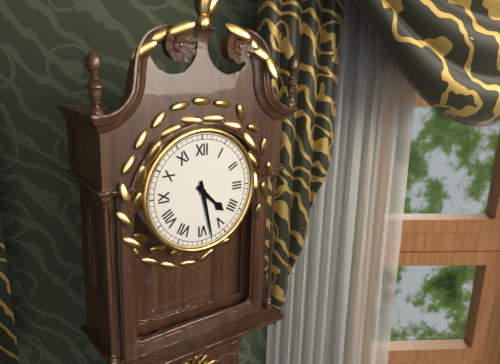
4:28
